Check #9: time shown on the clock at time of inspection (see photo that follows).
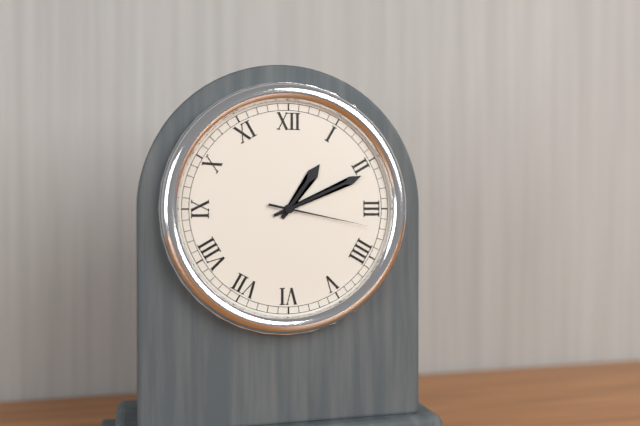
1:11:17
